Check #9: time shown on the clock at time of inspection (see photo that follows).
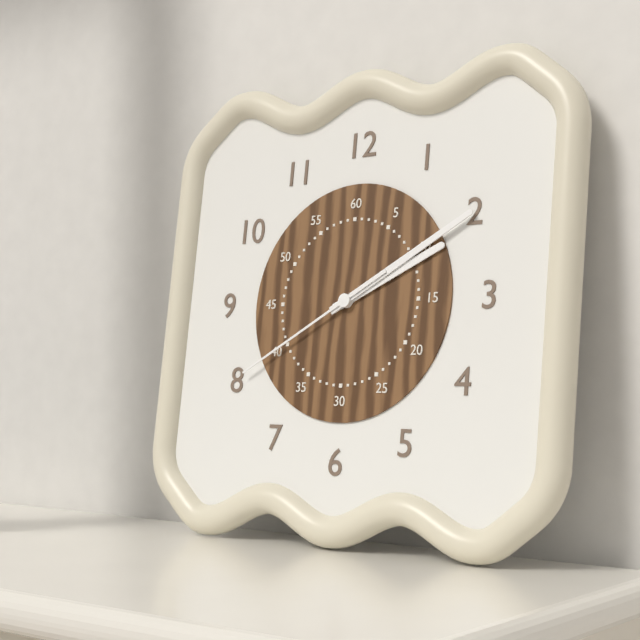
2:10:40
